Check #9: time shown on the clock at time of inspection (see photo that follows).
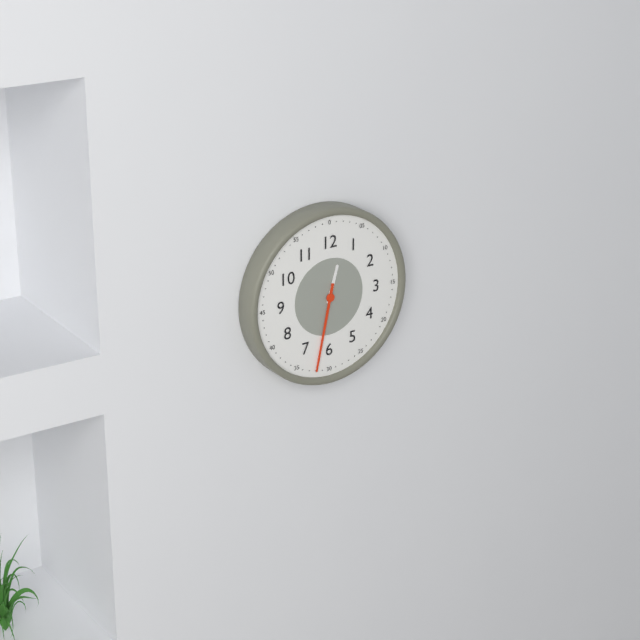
12:32
